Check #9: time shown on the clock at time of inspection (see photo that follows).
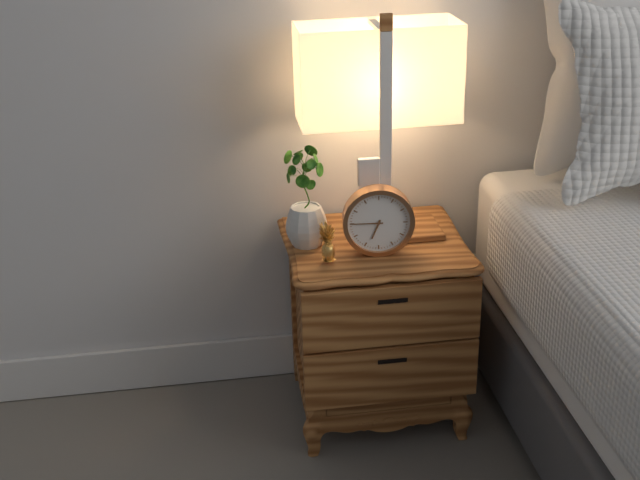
6:45
